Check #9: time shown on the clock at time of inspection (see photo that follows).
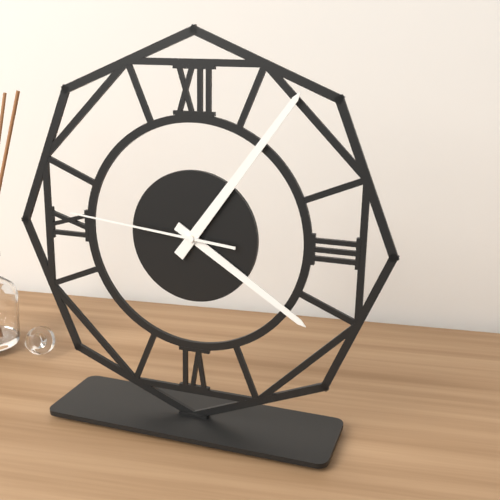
4:06:46
